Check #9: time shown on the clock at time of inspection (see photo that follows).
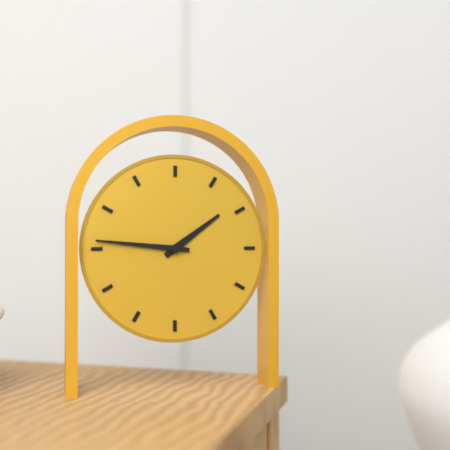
1:46
